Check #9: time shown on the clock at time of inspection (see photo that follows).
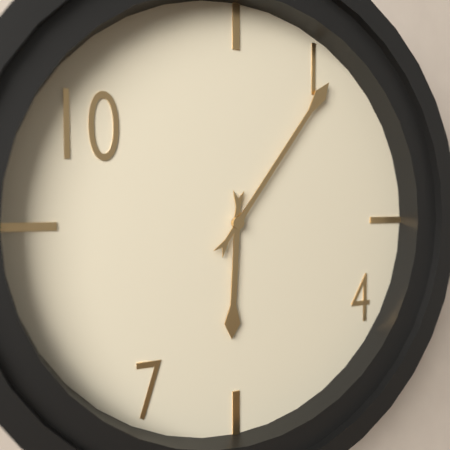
6:06
